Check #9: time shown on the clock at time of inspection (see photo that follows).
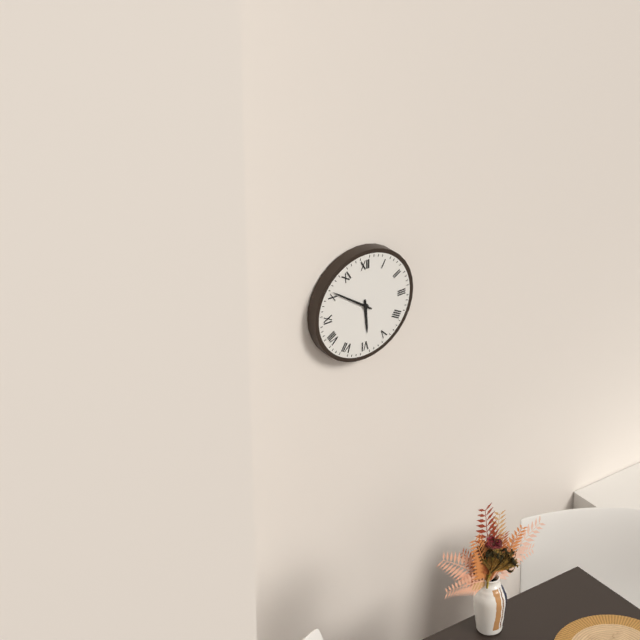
5:51
